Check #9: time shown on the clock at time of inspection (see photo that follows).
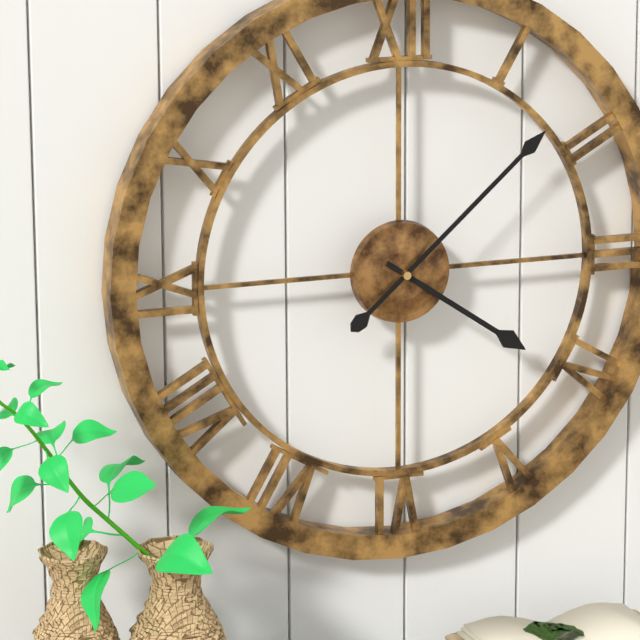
4:08
